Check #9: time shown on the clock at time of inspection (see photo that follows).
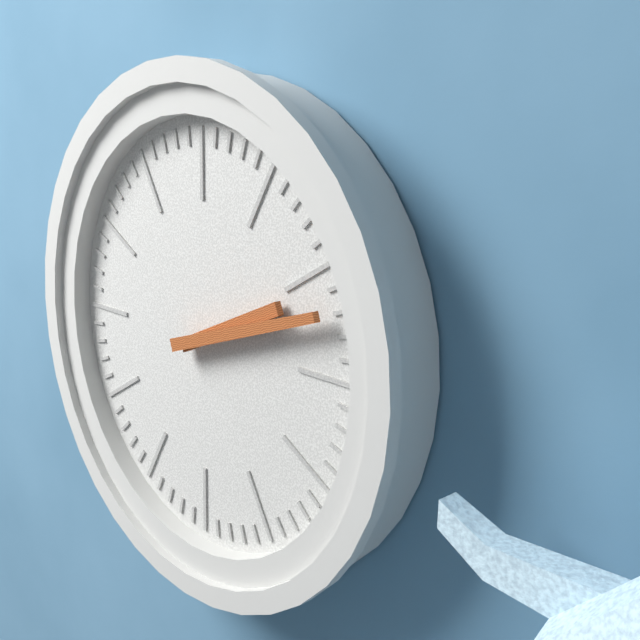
2:12
